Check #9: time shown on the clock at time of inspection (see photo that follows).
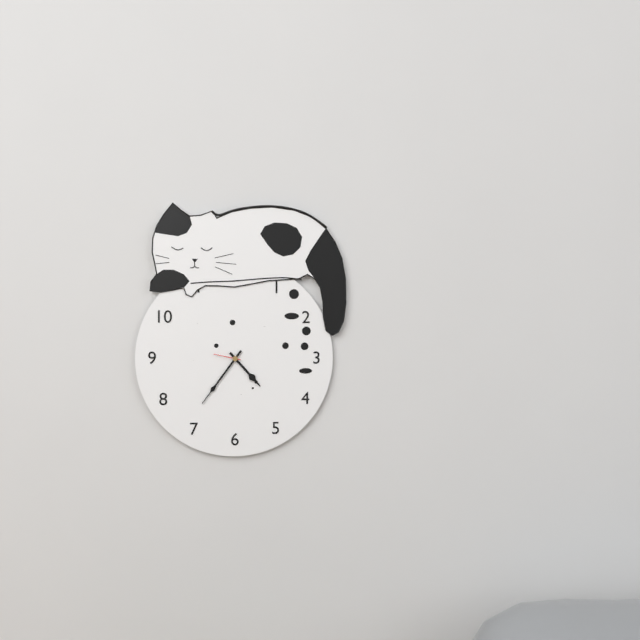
4:36
